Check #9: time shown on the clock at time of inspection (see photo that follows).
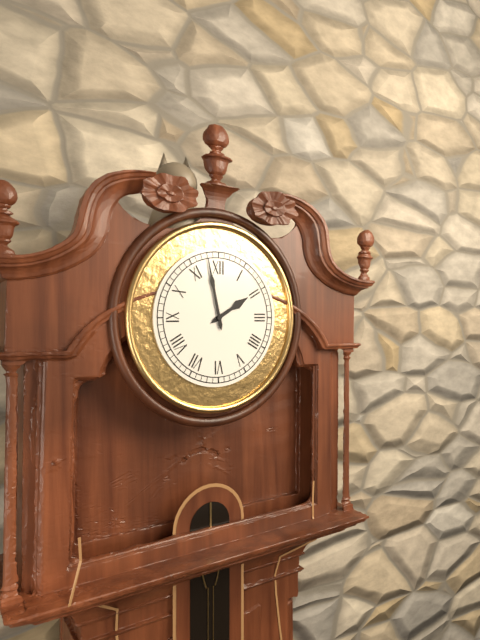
1:58
